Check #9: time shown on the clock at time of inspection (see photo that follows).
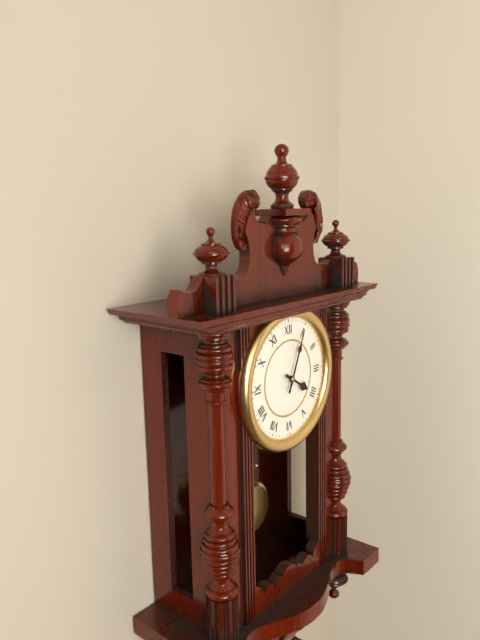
4:04
